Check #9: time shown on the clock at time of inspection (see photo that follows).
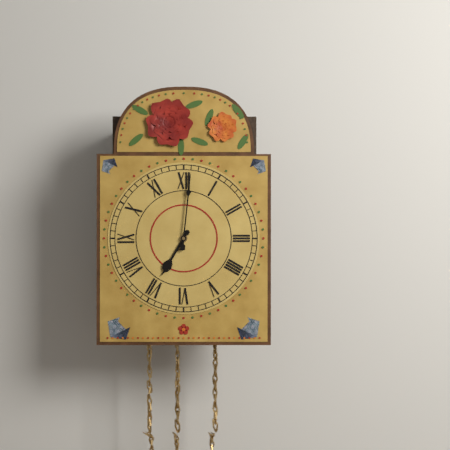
7:01
